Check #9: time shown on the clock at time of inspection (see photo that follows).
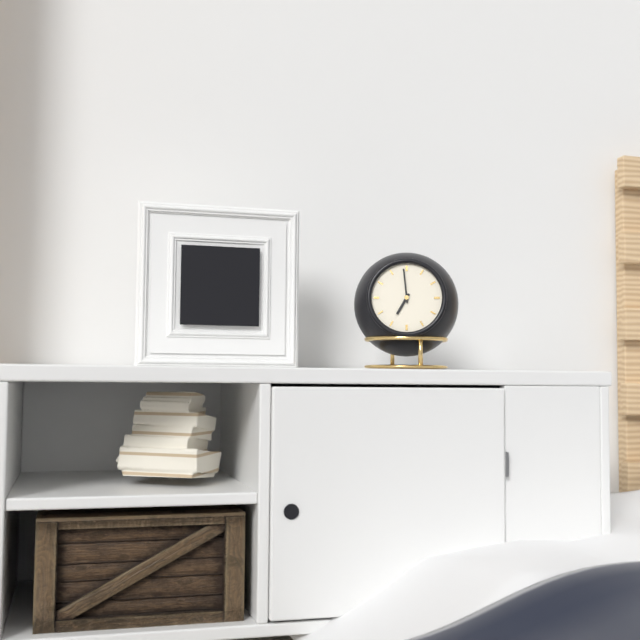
6:59
